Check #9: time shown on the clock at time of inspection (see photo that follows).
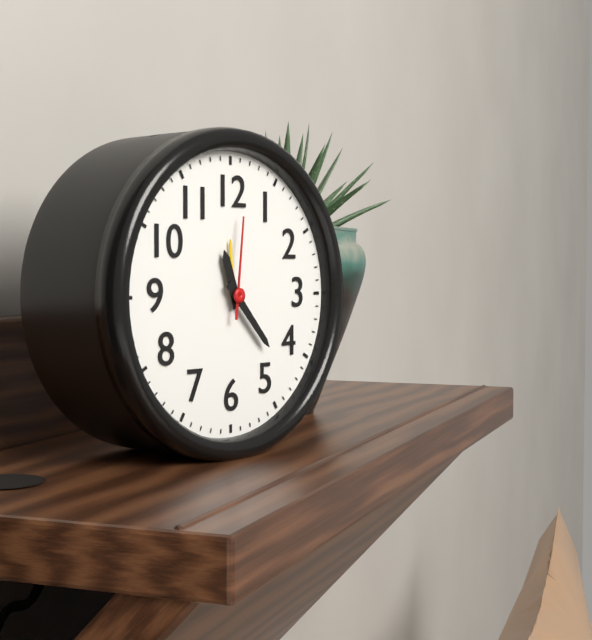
11:23:01
